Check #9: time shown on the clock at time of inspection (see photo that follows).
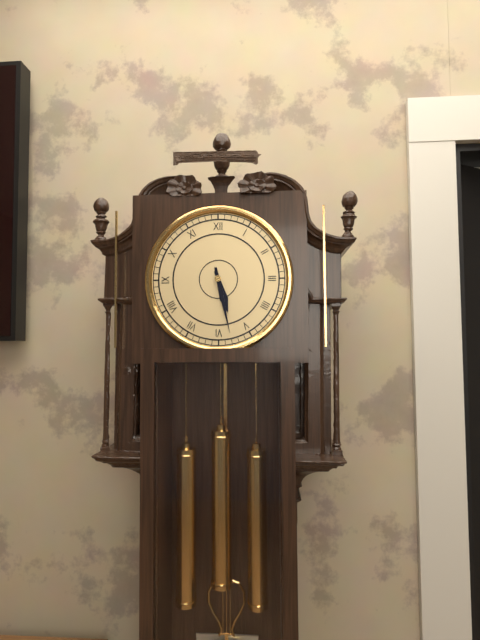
5:28
